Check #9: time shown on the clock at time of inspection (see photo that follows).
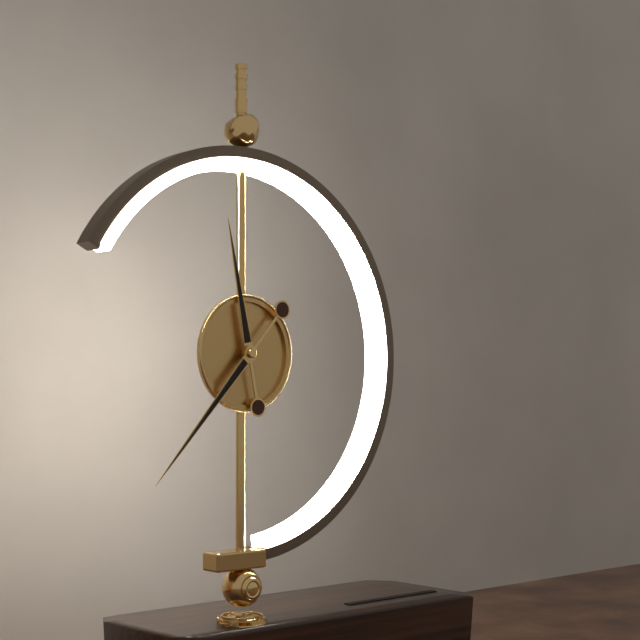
11:37
